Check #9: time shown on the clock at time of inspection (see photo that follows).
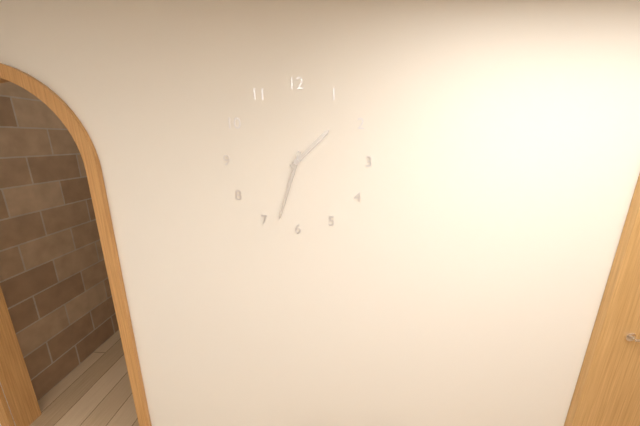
1:33
